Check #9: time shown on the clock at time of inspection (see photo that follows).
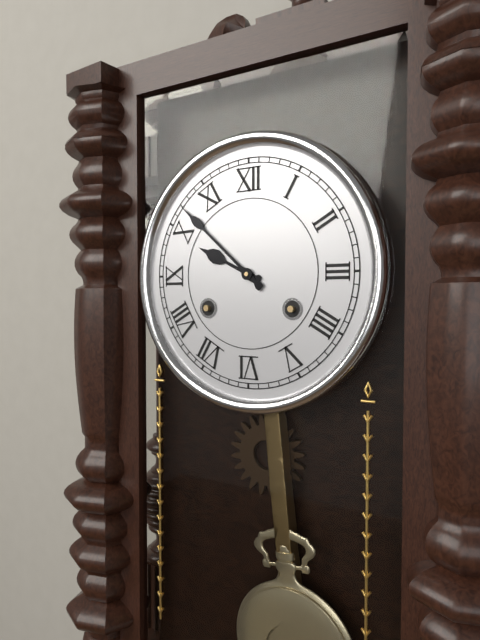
9:52
